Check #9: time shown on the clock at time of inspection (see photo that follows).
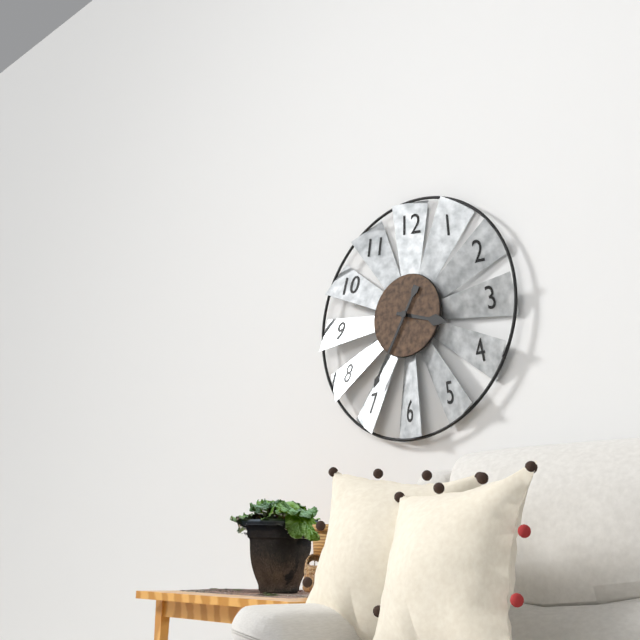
3:35
